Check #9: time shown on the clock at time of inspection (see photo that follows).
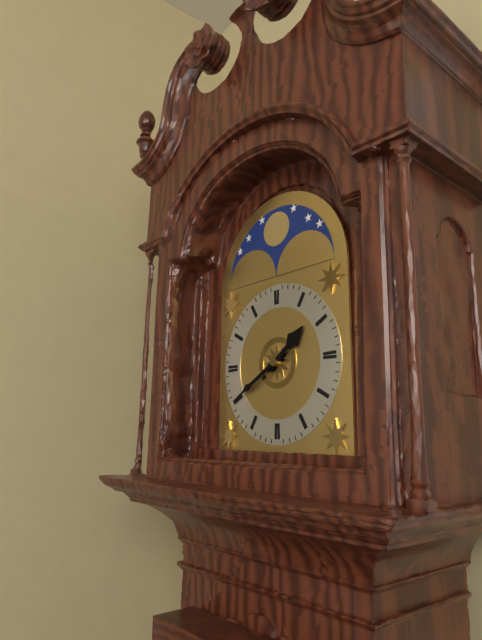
1:40
